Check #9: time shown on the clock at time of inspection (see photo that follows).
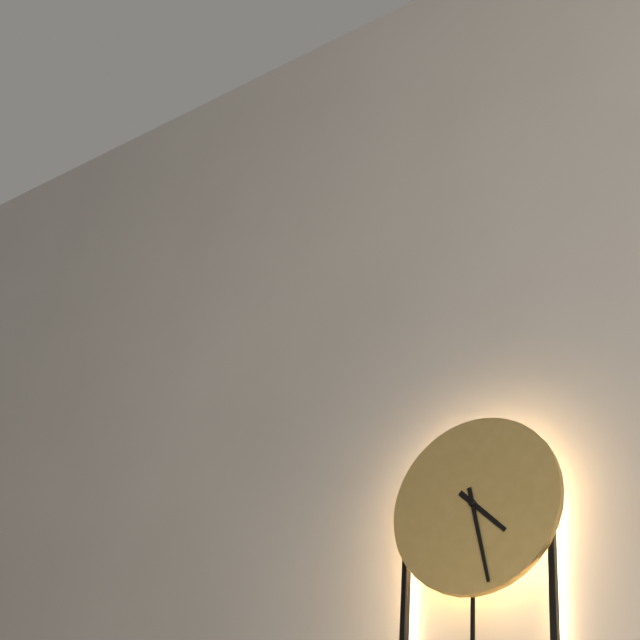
4:28
